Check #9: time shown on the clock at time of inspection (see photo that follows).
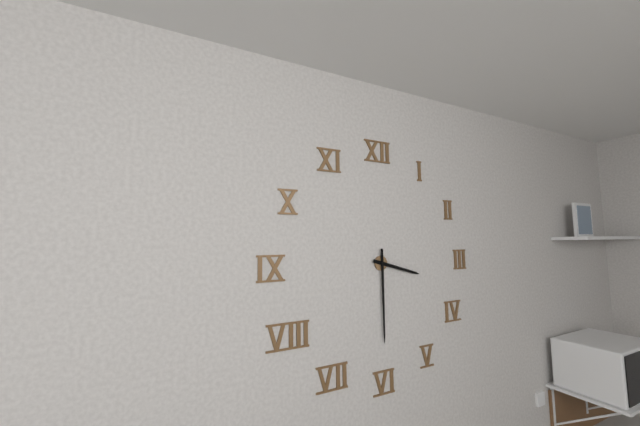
3:30
